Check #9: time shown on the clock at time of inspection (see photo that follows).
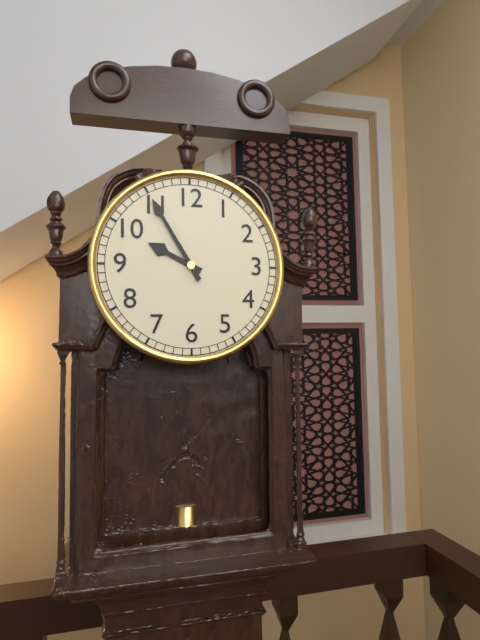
9:55
